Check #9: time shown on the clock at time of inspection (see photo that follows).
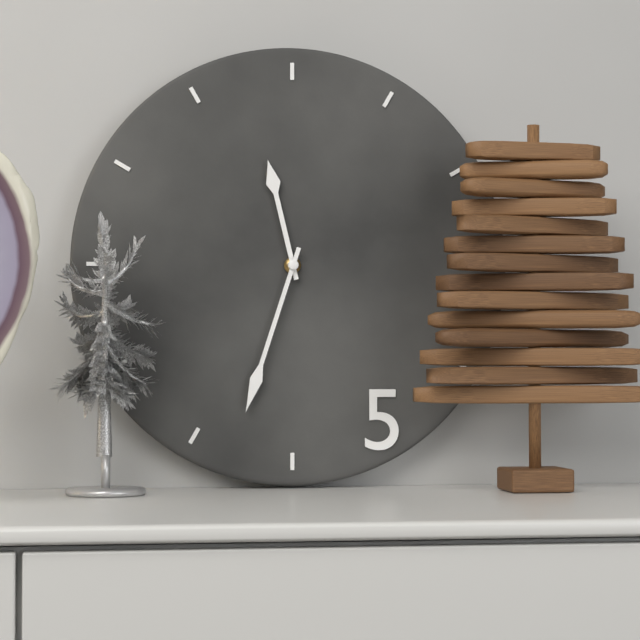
11:33
